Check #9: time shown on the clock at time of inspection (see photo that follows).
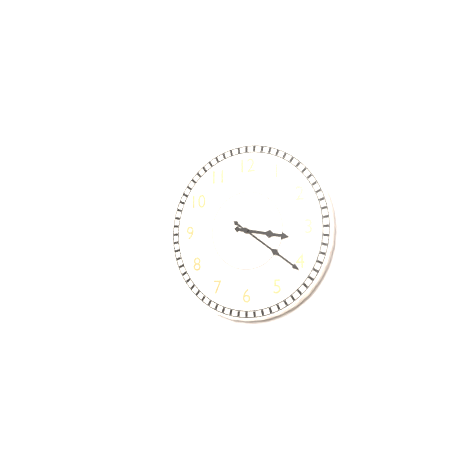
3:21
